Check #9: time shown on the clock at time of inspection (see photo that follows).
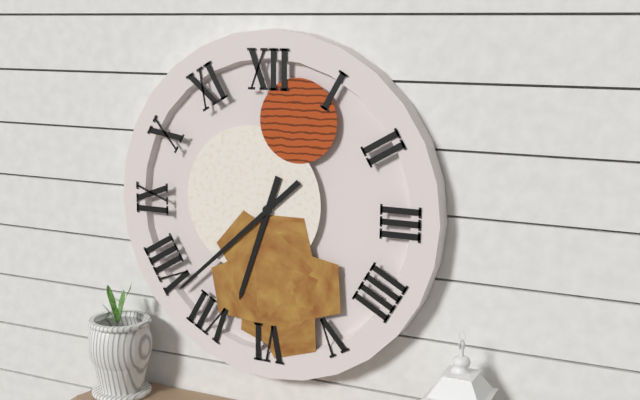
6:38
